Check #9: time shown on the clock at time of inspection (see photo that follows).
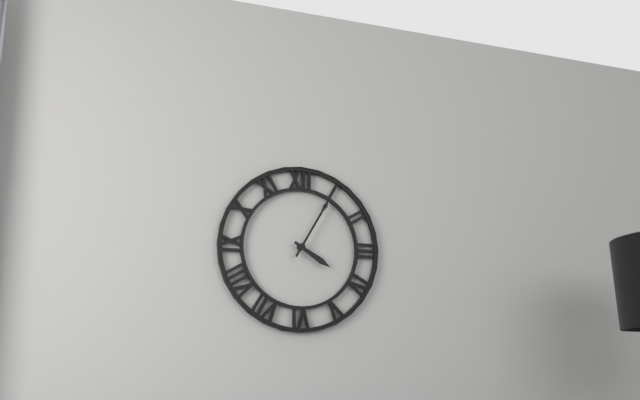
4:05
